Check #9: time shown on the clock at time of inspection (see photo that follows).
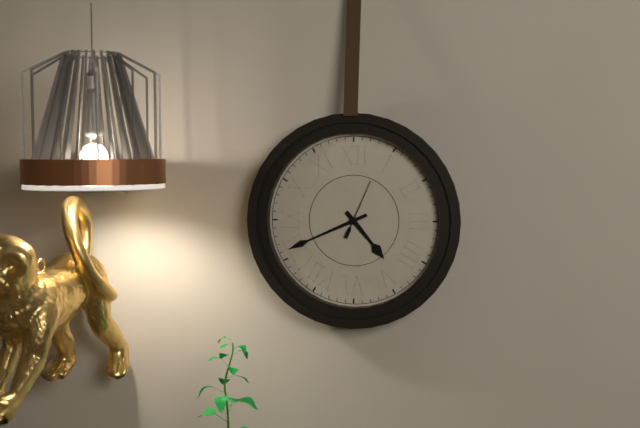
4:41:04
